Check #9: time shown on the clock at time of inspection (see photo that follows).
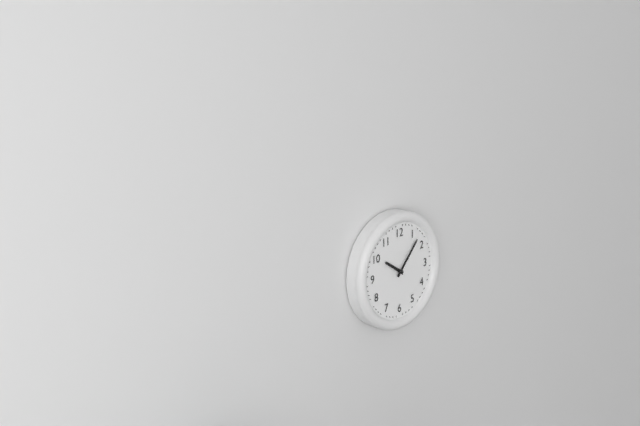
10:07
